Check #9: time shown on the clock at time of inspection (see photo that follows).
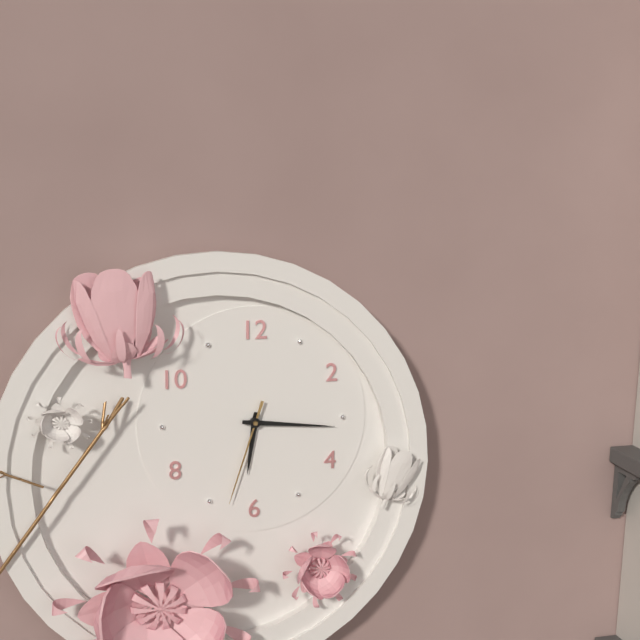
6:16:33
